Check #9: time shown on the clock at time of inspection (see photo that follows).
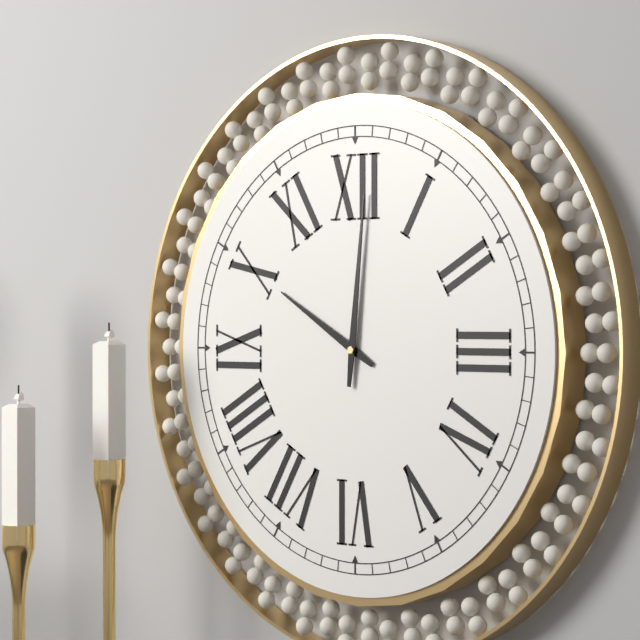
10:01
